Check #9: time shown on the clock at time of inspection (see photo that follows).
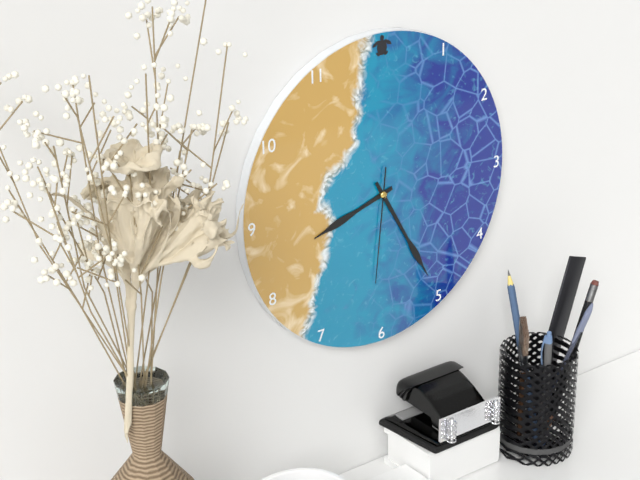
8:25:31
